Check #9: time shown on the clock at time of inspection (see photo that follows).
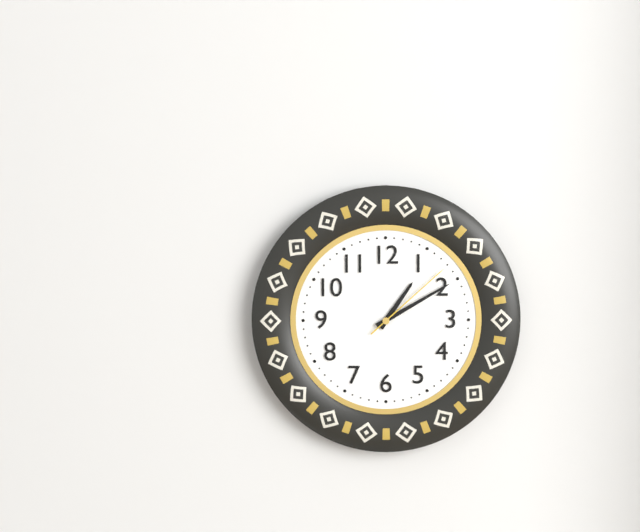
1:10:08
